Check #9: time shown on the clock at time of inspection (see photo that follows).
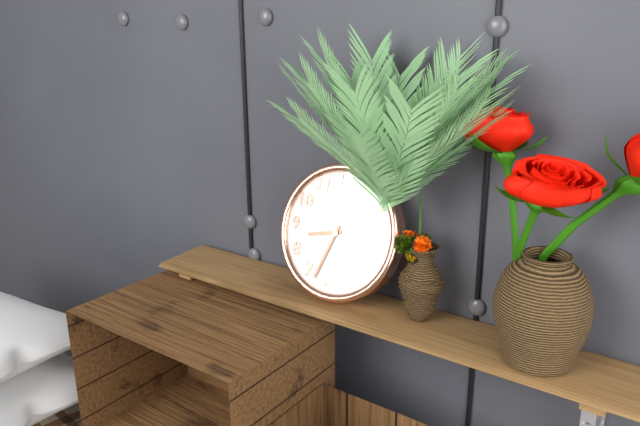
8:33
